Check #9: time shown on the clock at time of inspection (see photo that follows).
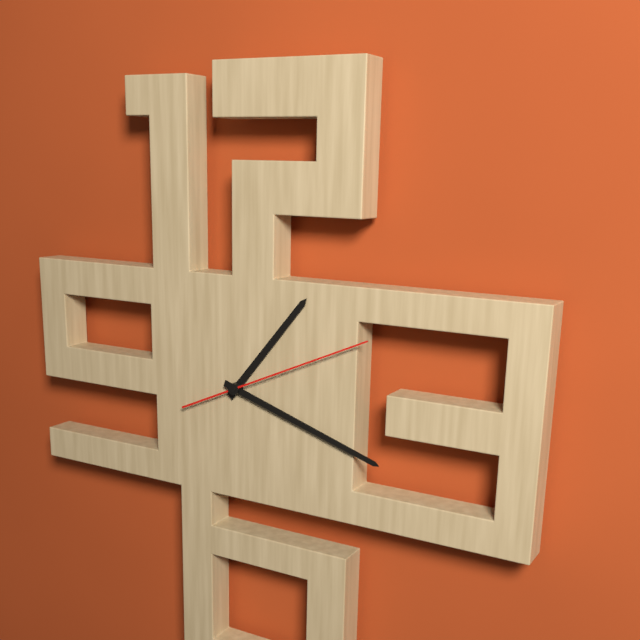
1:18:11
